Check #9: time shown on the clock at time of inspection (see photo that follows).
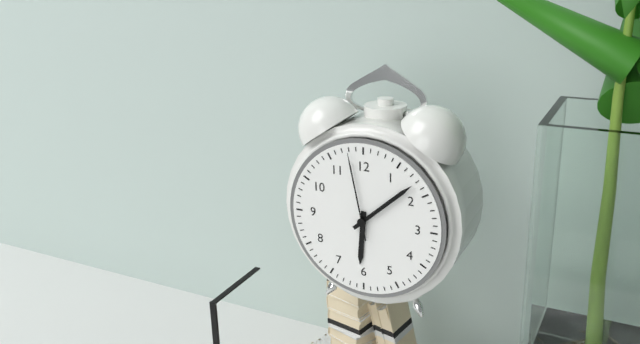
6:08:58
